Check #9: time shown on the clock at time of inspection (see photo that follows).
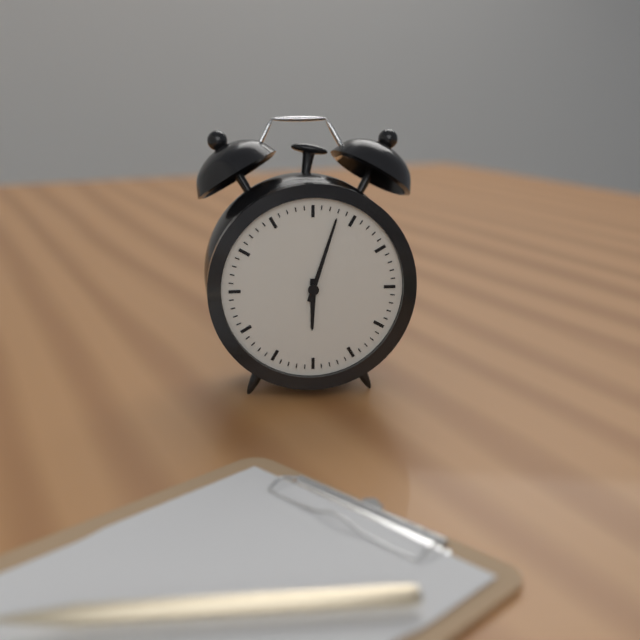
6:03
